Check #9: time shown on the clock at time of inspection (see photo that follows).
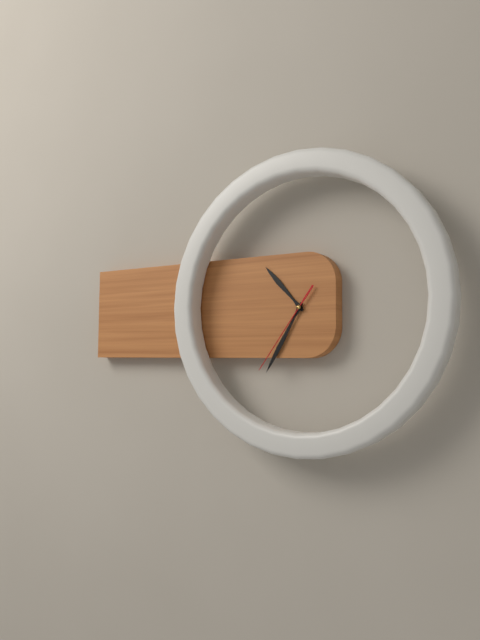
10:35:36
